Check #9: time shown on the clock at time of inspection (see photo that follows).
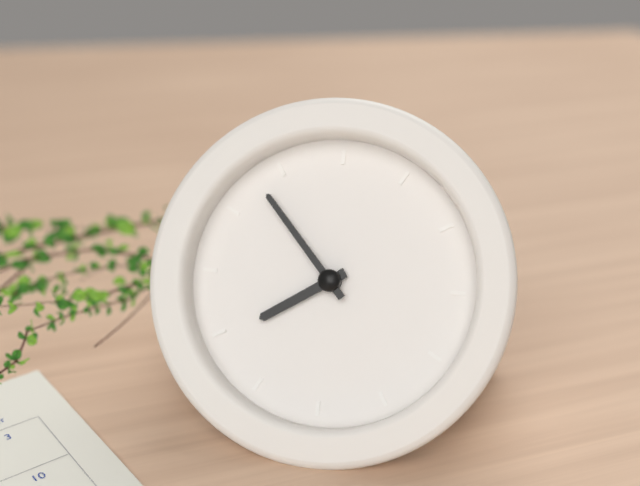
7:53
